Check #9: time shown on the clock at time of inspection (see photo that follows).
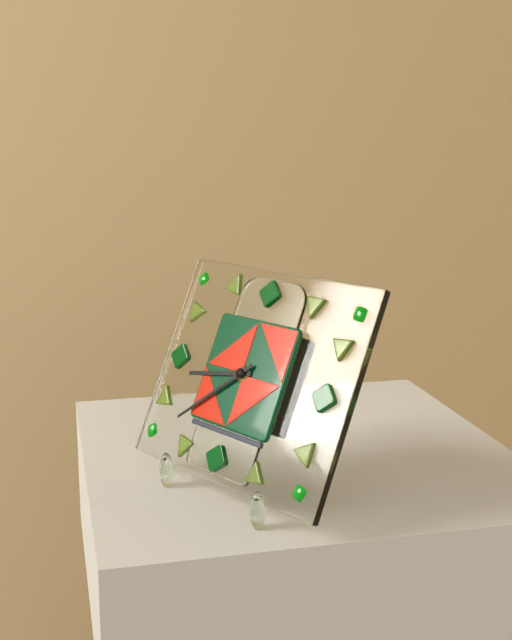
8:38
